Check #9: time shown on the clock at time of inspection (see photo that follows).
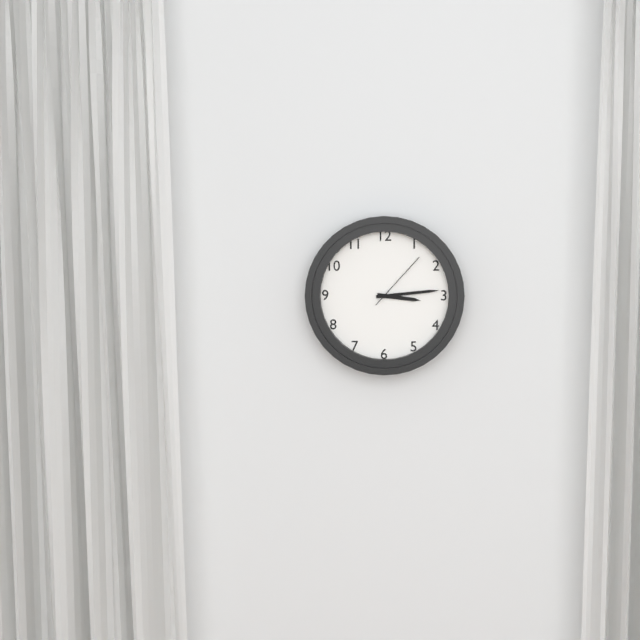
3:14:07
